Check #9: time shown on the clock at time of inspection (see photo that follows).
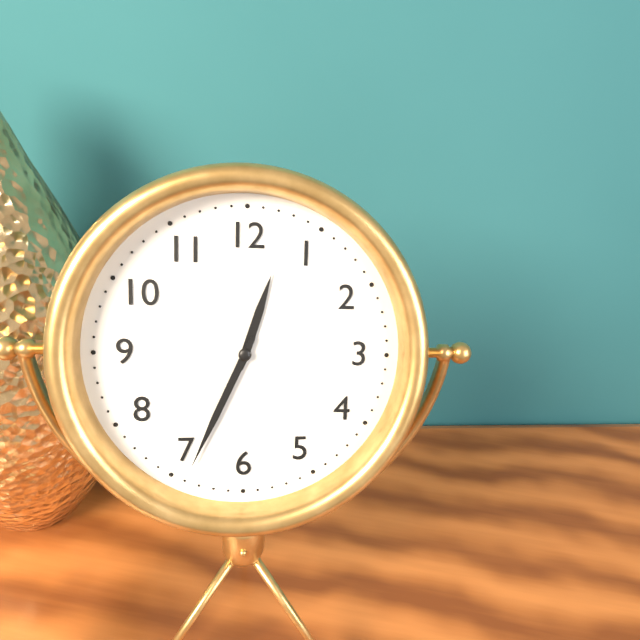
12:34
